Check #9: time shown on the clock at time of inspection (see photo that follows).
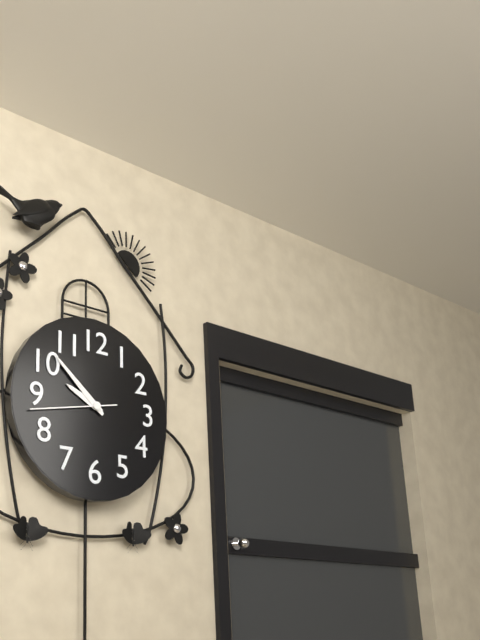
9:52:43
